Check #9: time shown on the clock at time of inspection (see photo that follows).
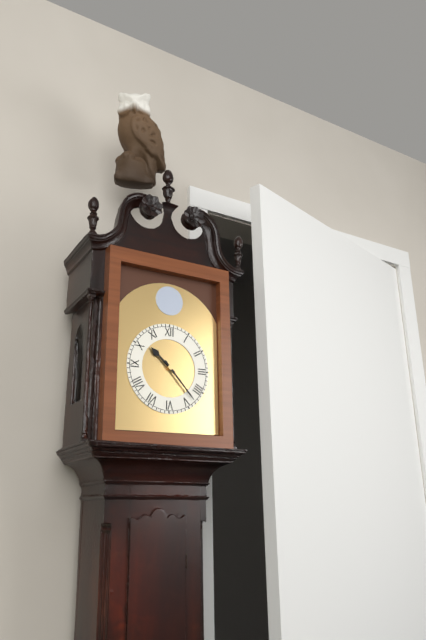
10:23
